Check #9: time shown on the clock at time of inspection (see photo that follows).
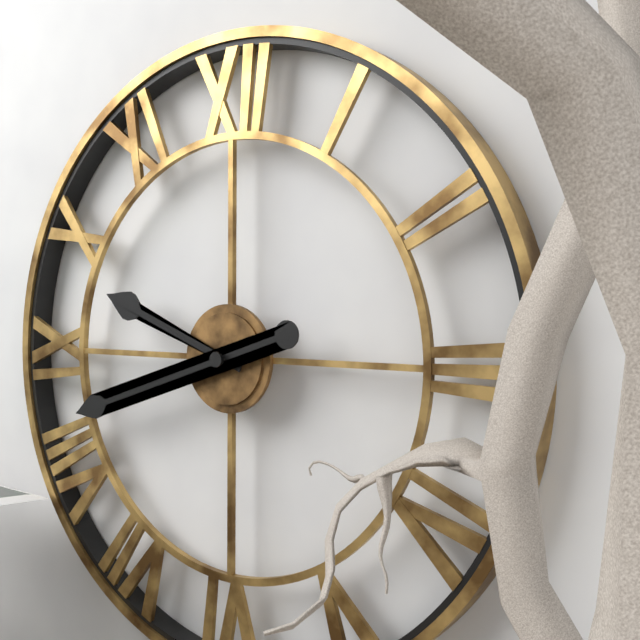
9:42
